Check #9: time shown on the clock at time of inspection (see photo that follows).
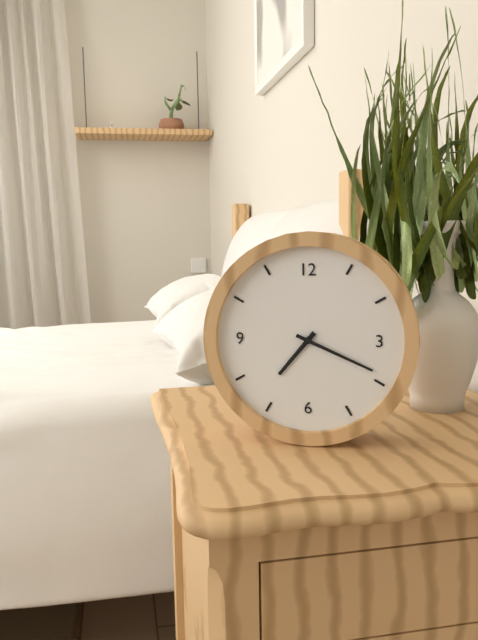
7:19
